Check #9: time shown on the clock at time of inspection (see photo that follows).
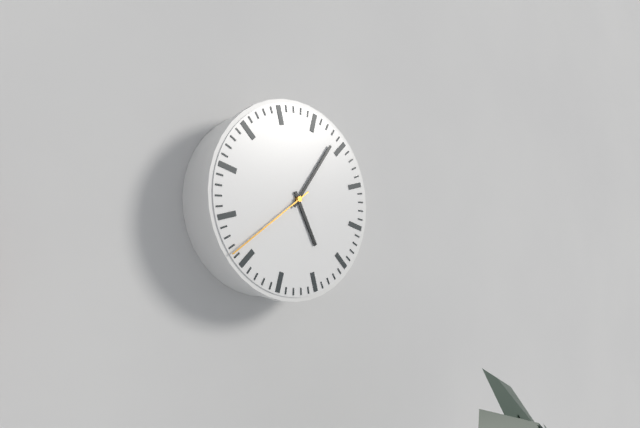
5:06:39
